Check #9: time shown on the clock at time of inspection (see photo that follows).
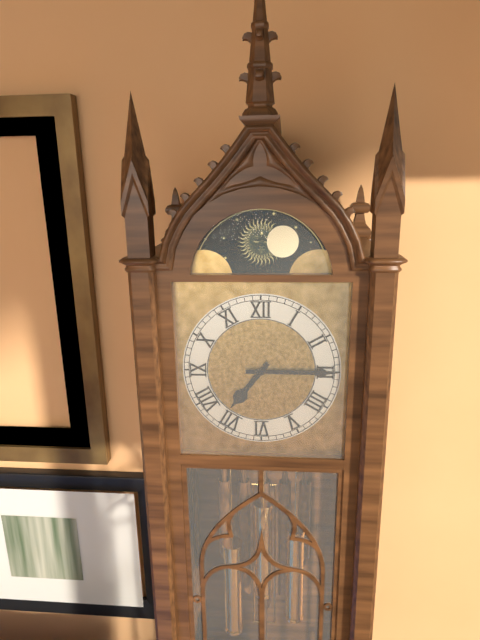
7:15
